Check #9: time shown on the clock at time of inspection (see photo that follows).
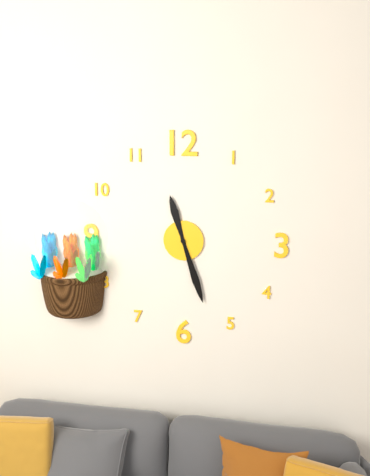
11:27
